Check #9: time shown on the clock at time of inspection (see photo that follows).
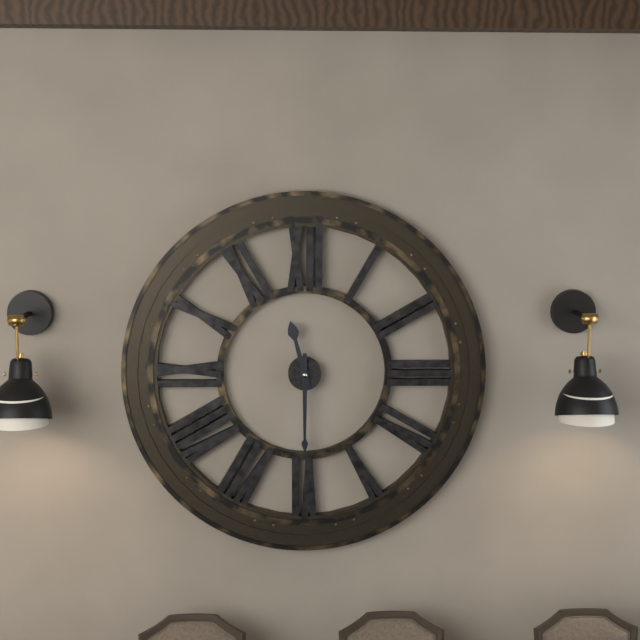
11:30
